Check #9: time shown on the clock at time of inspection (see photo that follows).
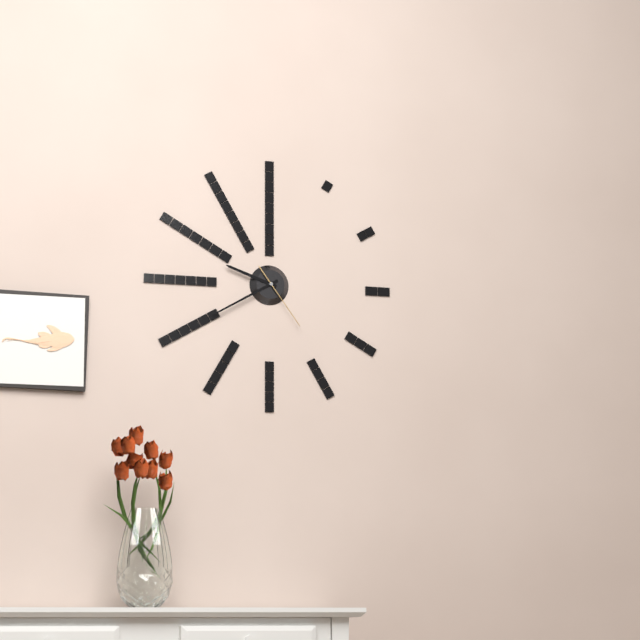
9:40:24
